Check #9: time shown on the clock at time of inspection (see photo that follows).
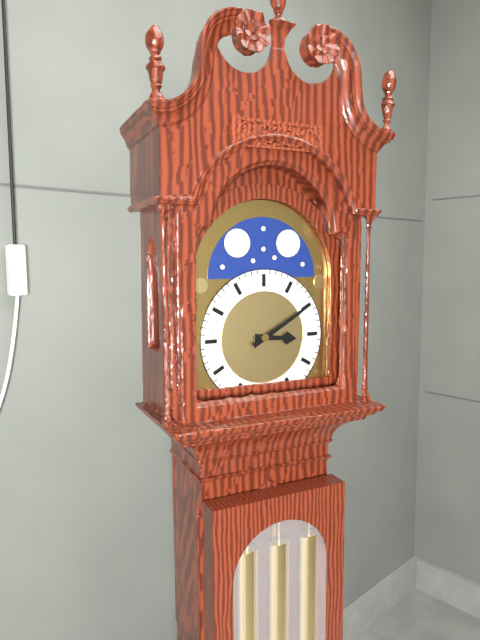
3:10
